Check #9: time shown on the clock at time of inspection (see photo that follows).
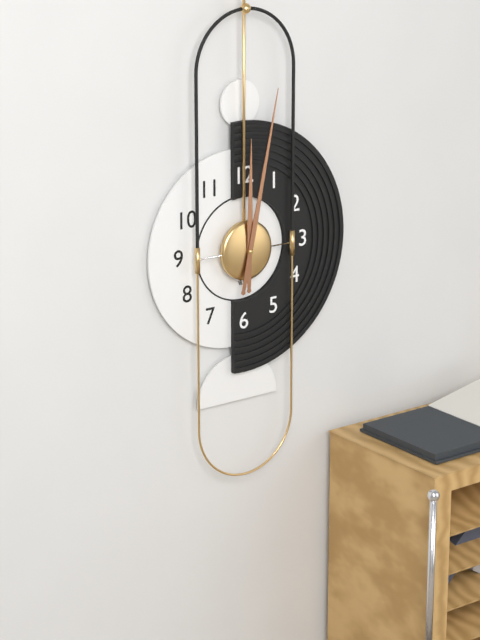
12:02
